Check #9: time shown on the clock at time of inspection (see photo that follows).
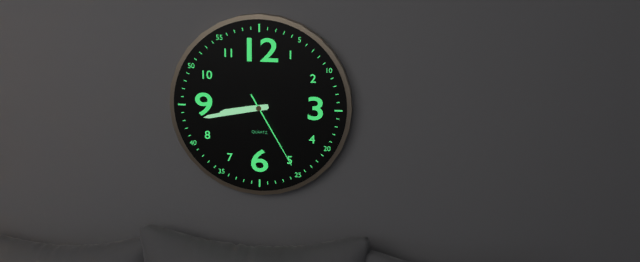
8:43:25
